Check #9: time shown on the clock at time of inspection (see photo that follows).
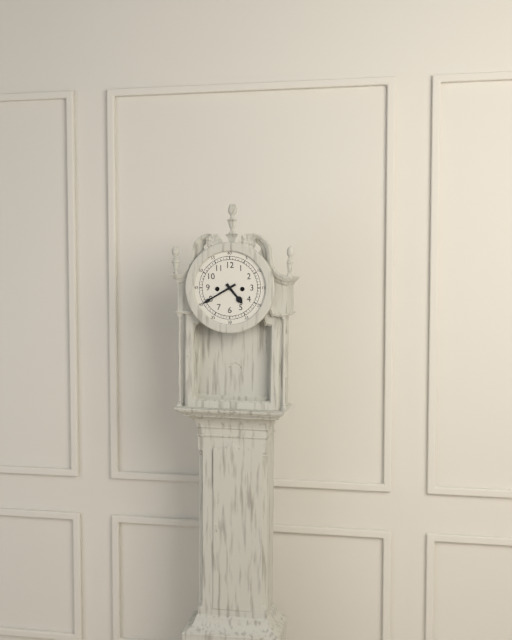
4:40
